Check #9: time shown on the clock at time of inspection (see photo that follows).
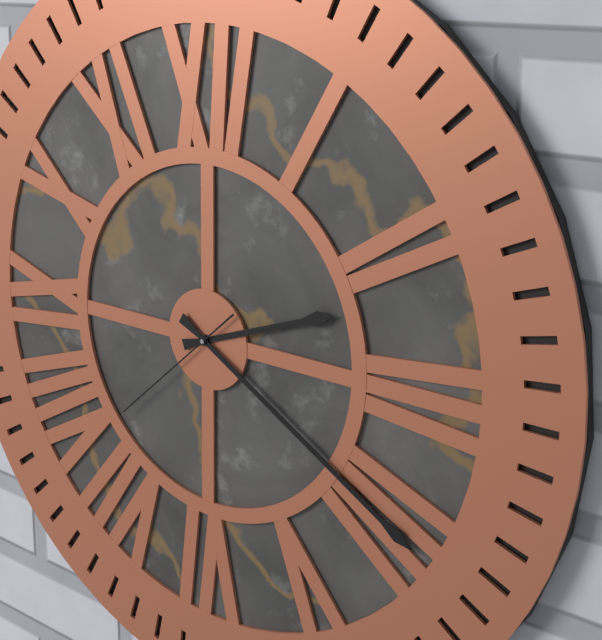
2:20:38
